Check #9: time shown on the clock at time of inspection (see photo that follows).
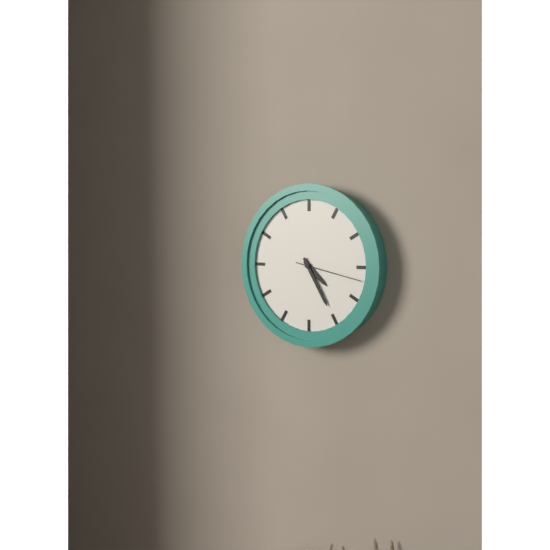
4:25:17
